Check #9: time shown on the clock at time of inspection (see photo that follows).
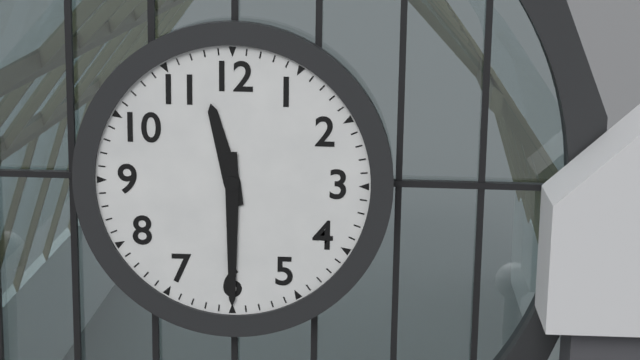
11:30
